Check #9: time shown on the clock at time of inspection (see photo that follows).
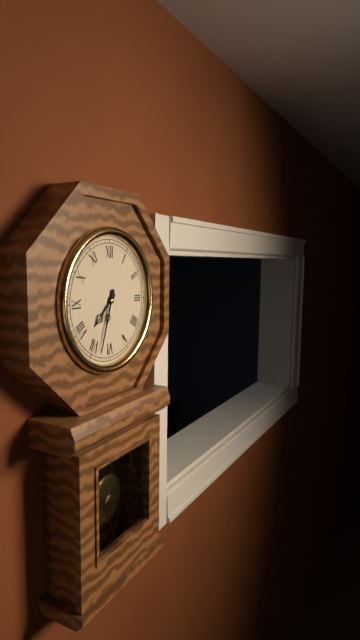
7:33
